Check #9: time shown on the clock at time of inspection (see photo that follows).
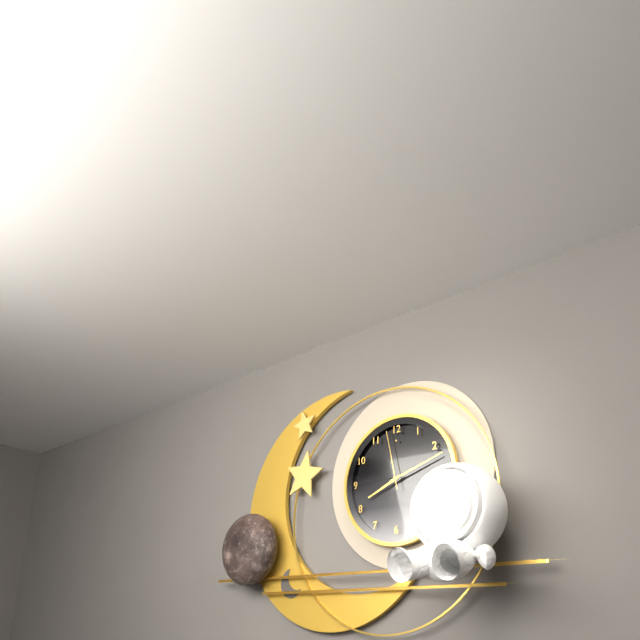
8:12:58
